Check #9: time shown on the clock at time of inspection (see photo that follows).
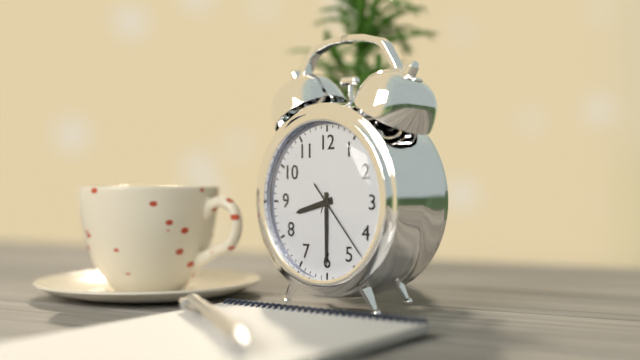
8:30:23
